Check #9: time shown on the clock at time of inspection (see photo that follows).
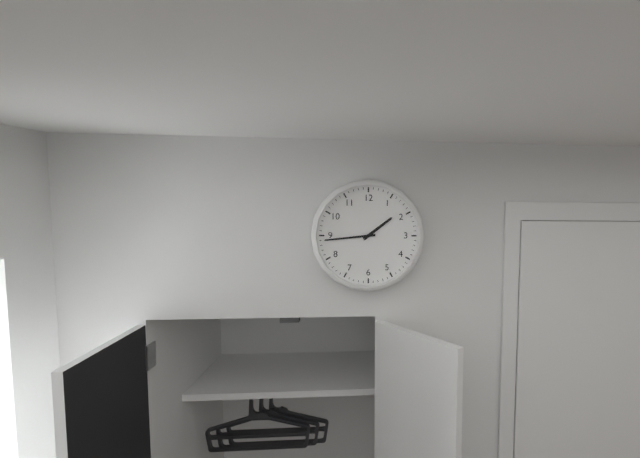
1:44
